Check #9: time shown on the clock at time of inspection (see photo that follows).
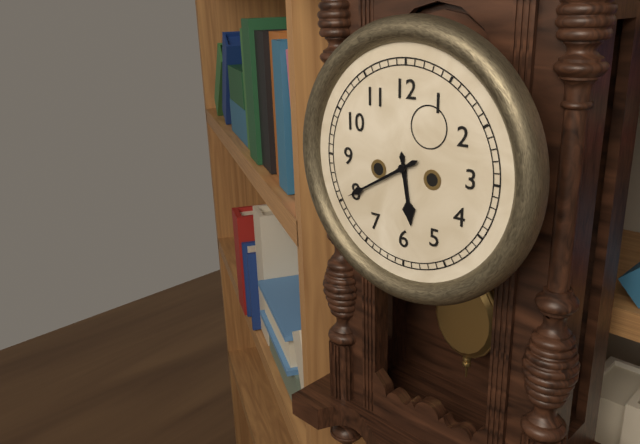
5:40
